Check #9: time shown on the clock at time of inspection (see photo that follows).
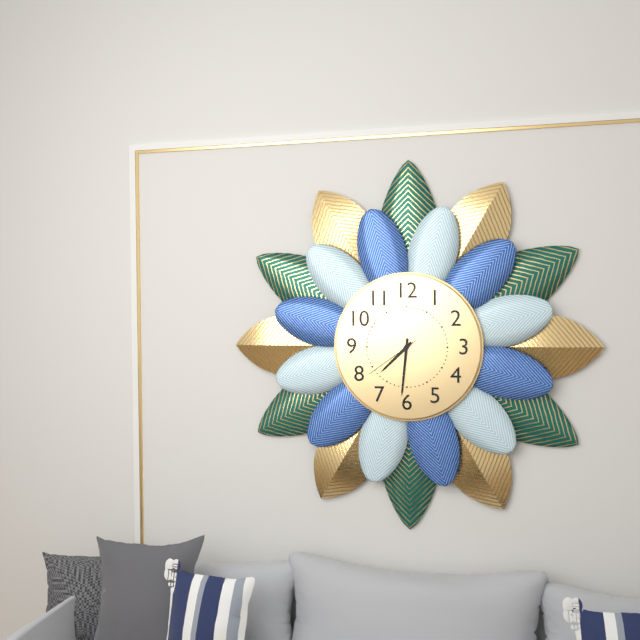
7:31:39
